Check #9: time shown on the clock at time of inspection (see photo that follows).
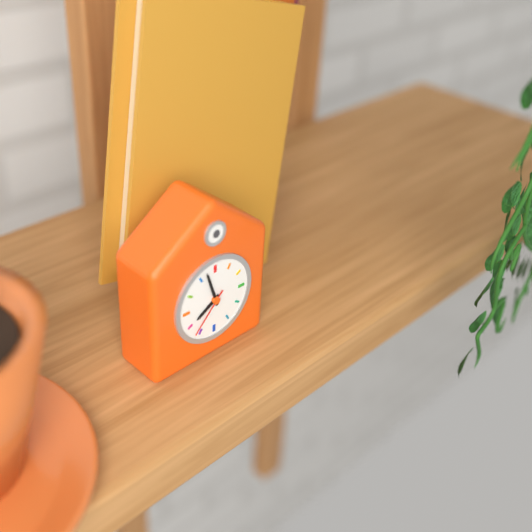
7:57:37
